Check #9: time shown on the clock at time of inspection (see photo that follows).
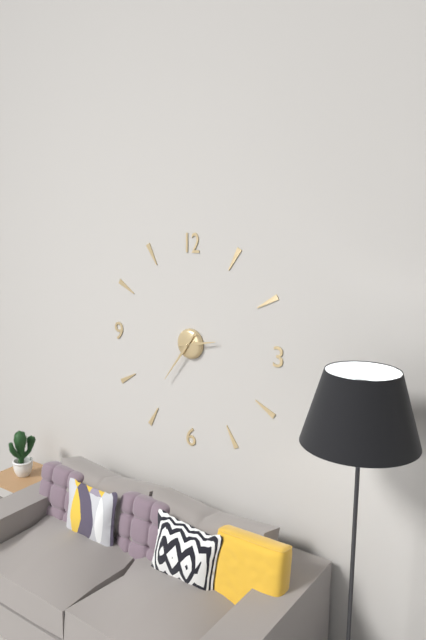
2:36
